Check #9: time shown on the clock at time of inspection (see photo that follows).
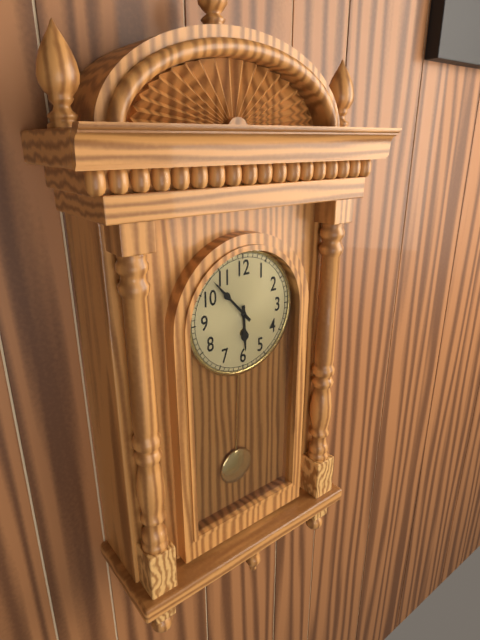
5:53
